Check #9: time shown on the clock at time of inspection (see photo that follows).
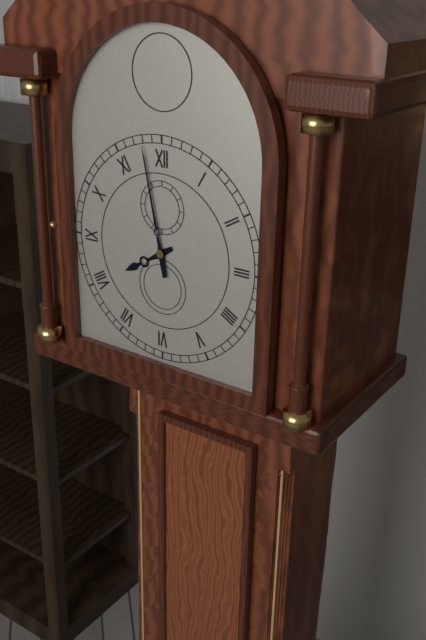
7:58
